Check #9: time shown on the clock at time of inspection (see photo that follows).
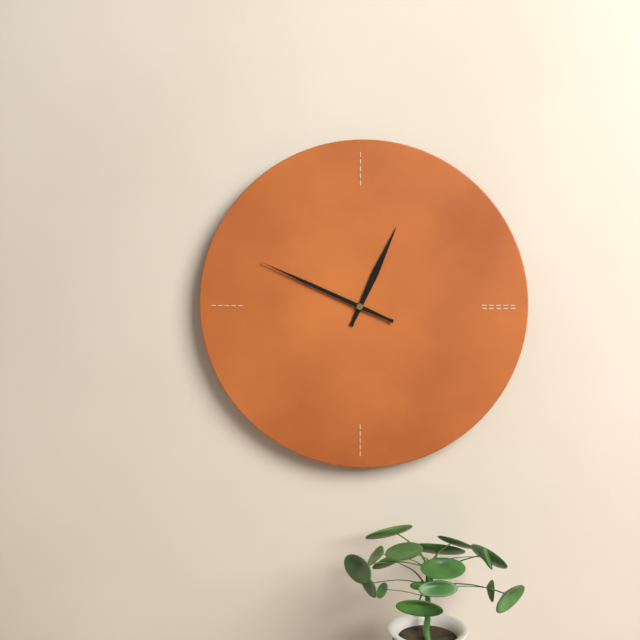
12:49
